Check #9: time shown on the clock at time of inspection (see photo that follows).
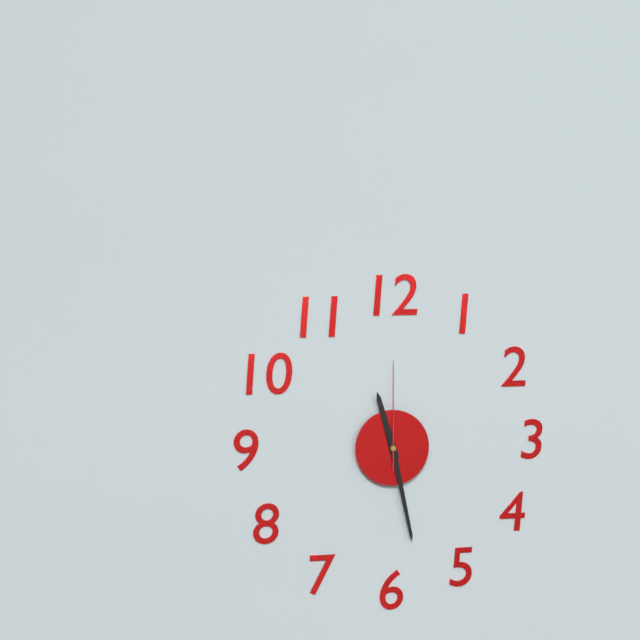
11:28:00
